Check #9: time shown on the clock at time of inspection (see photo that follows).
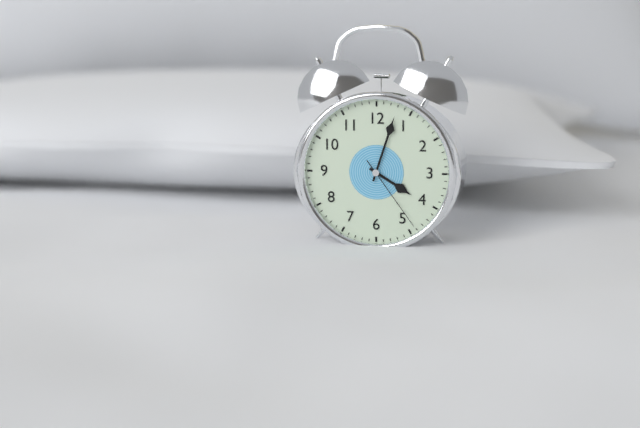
4:03:24
